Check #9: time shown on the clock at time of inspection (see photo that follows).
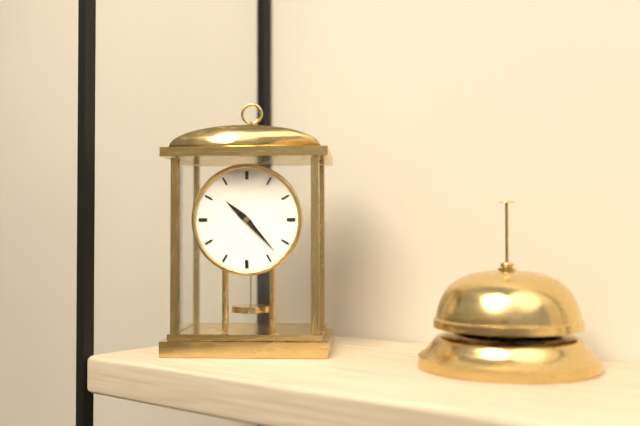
10:23
